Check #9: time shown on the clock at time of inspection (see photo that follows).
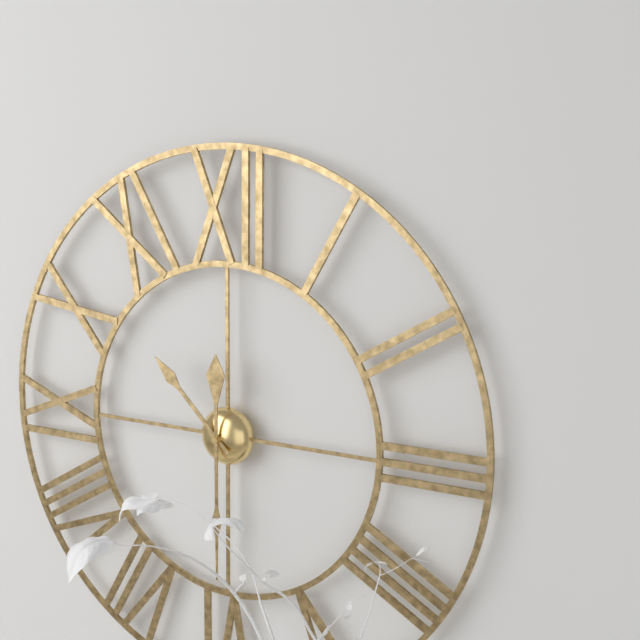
10:30
